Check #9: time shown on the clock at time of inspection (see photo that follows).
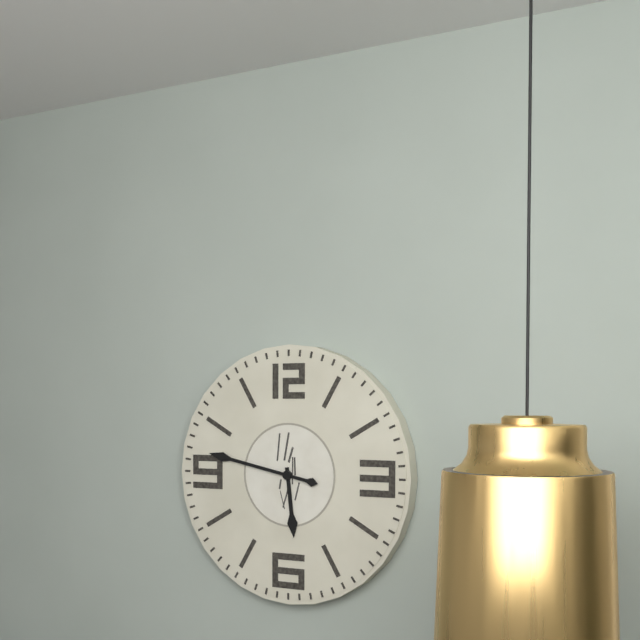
5:47
